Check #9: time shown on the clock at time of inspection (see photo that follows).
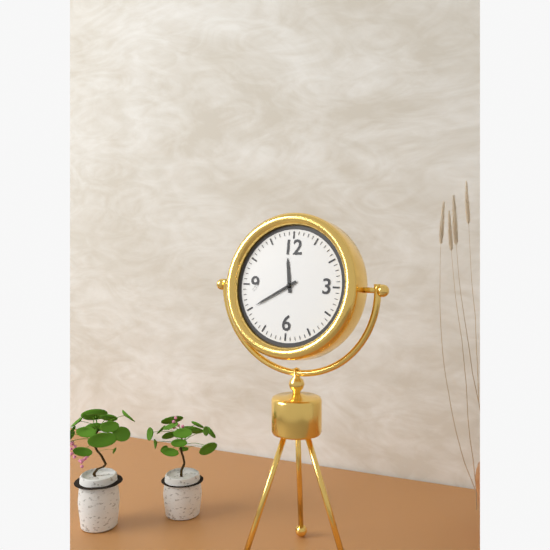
11:40
